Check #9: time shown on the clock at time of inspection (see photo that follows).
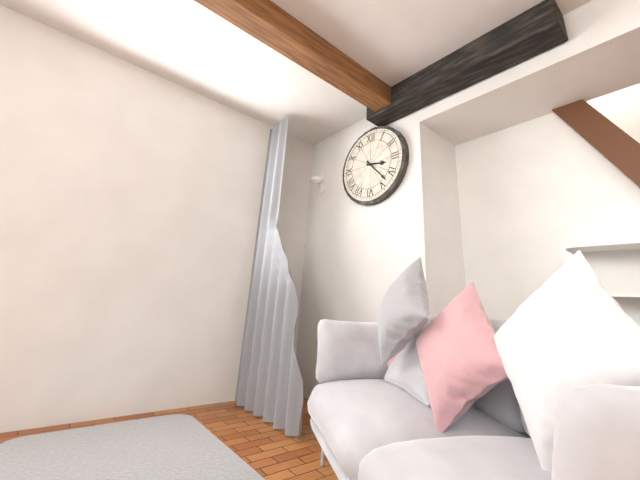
3:23
